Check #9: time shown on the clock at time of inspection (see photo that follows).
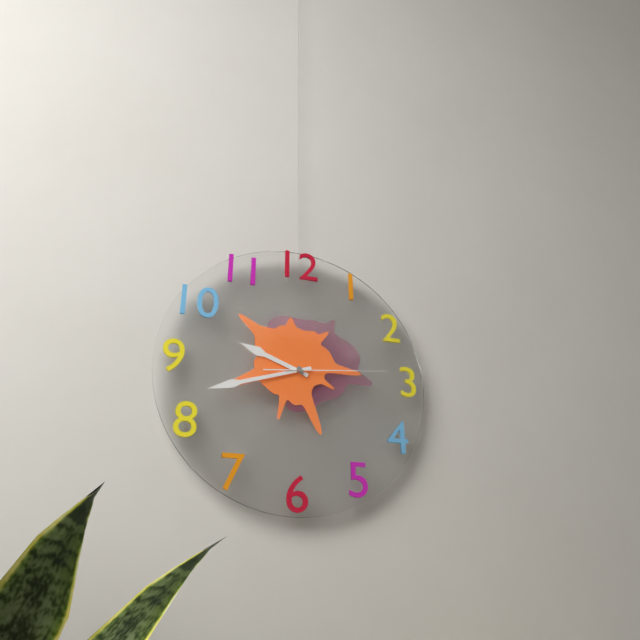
9:42:14
